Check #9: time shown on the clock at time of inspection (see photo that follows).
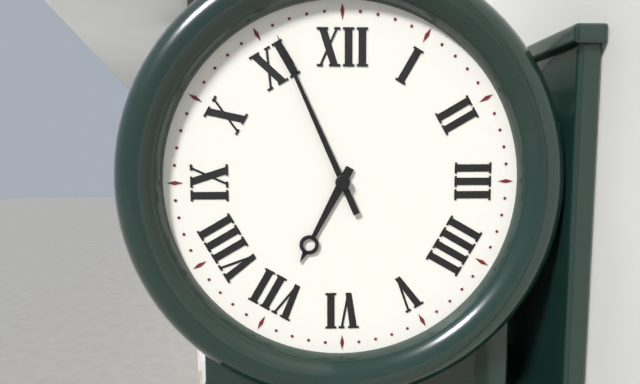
6:56
